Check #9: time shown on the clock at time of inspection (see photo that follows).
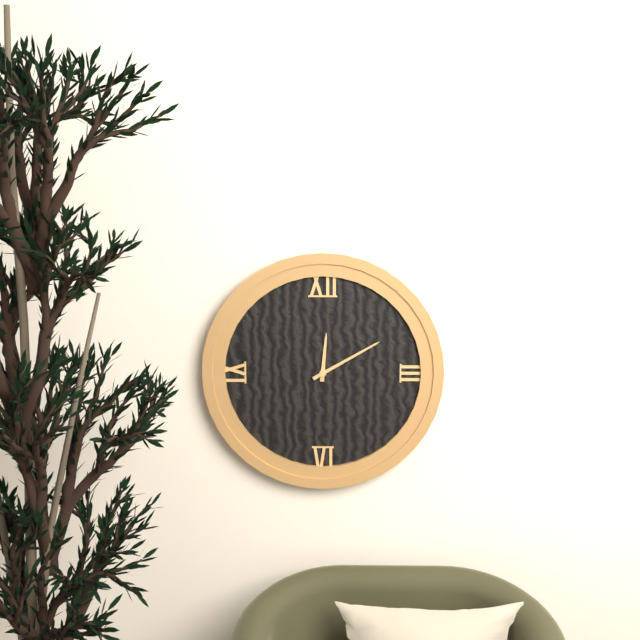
12:10
